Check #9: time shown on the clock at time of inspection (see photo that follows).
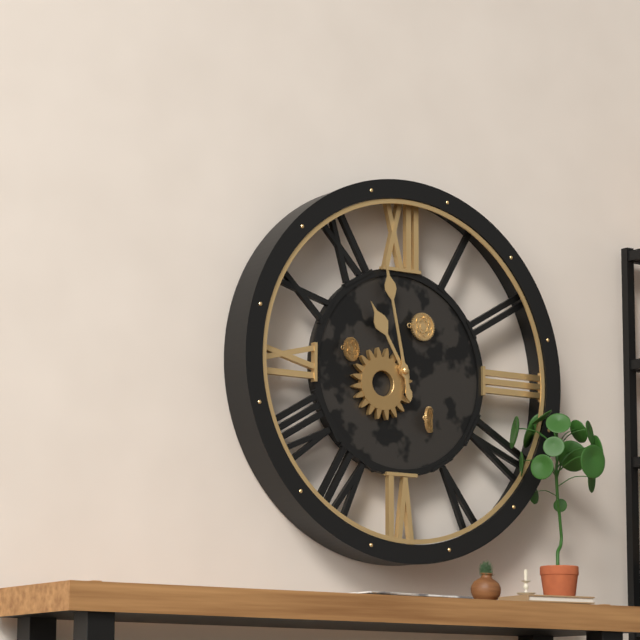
10:58
